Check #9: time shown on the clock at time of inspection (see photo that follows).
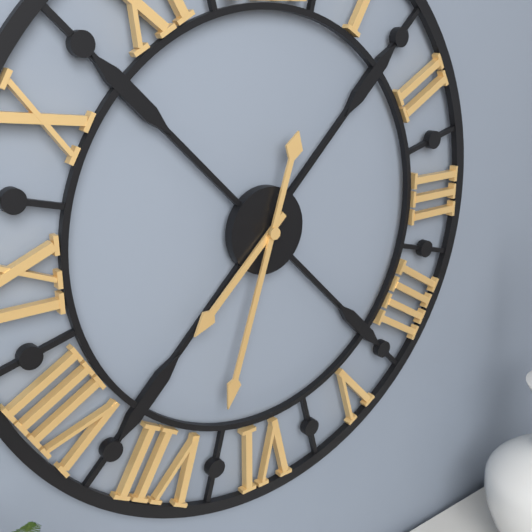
7:33
